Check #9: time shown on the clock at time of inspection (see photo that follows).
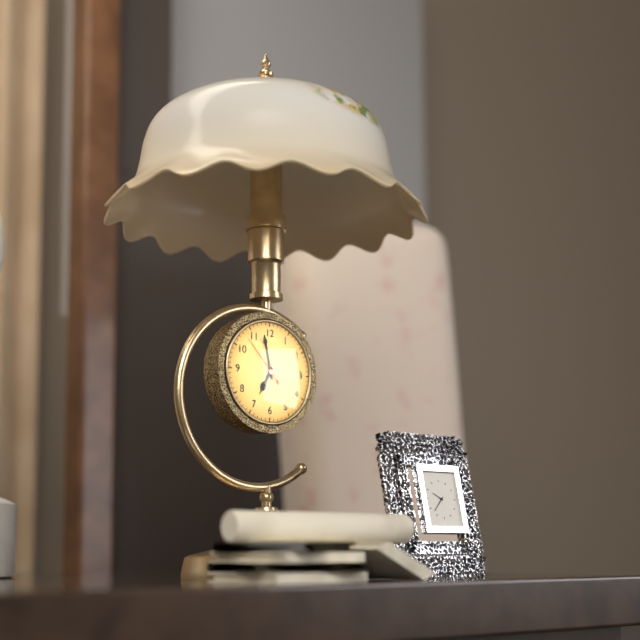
6:58
